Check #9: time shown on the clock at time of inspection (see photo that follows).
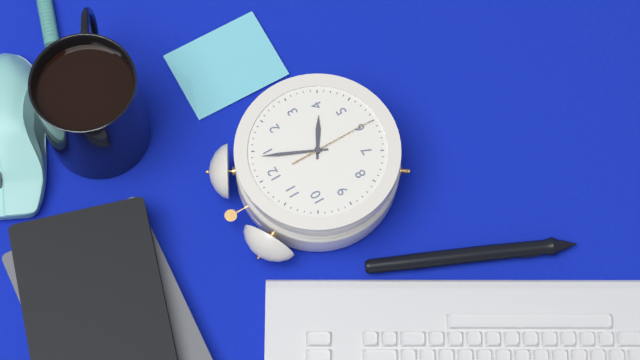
4:04:30
